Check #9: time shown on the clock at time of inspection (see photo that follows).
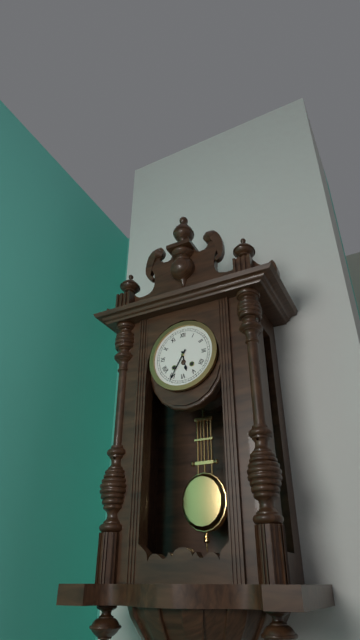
5:35
